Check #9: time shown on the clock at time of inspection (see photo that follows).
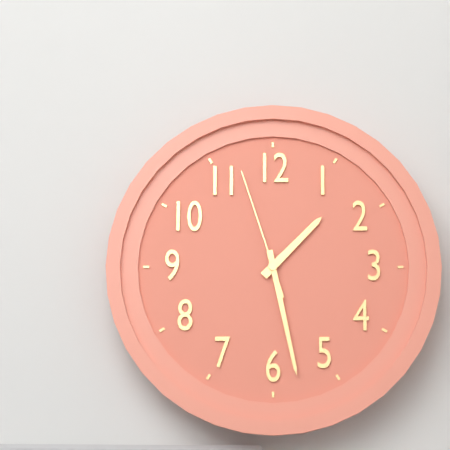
1:28:57
